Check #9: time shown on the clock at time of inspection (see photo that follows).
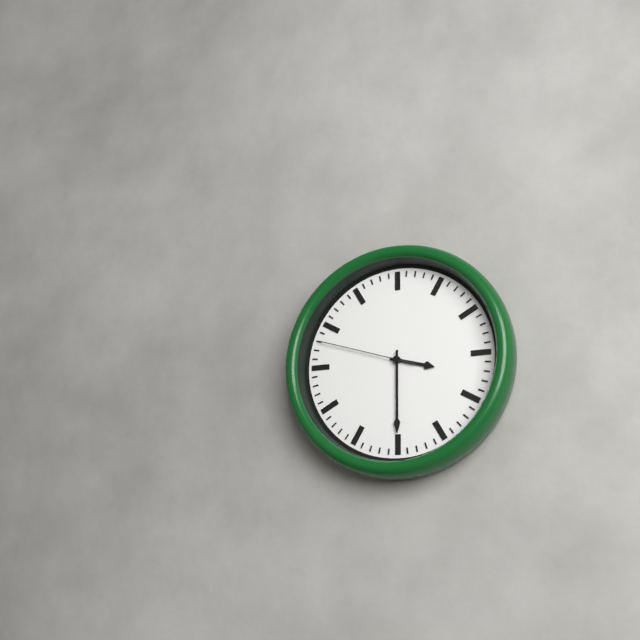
3:30:48
